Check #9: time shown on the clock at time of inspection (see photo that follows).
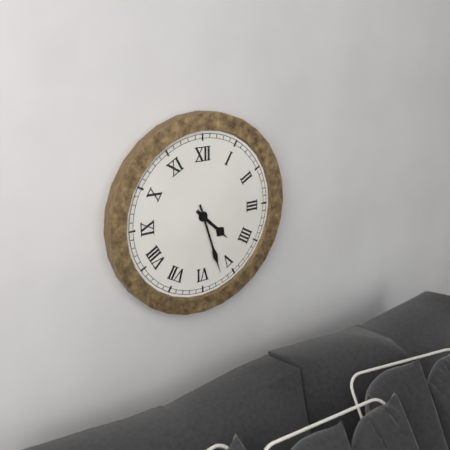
4:27
